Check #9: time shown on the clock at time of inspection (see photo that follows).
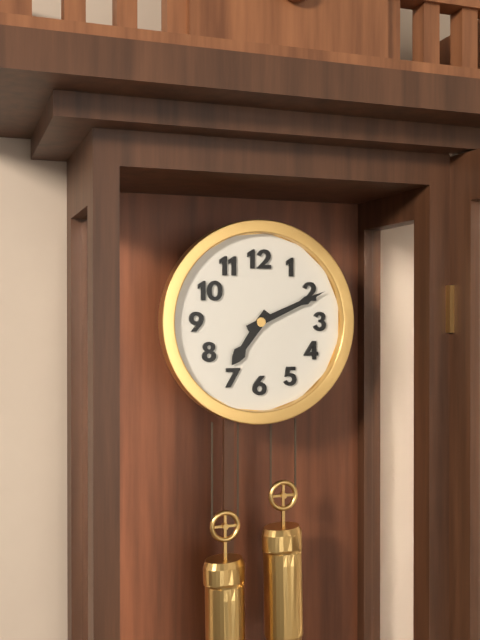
7:11
